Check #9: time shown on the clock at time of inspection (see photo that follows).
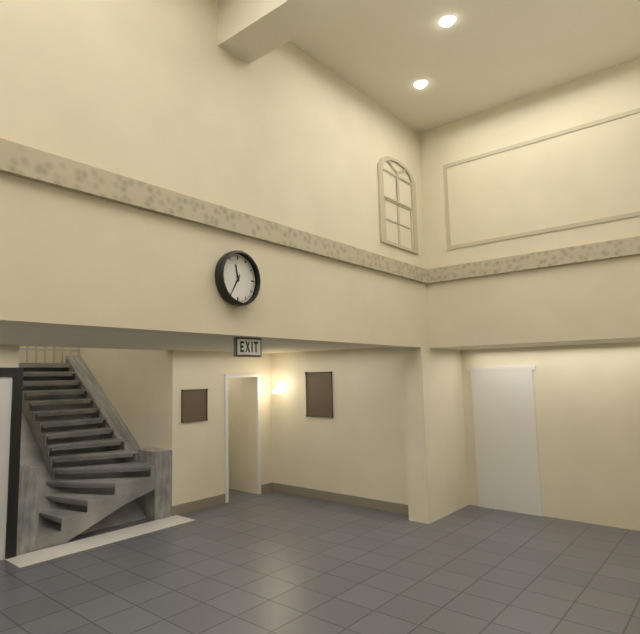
11:35
